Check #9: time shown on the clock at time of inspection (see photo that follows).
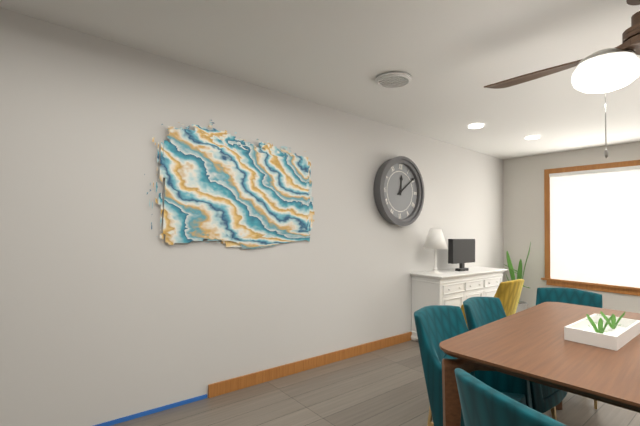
12:09
